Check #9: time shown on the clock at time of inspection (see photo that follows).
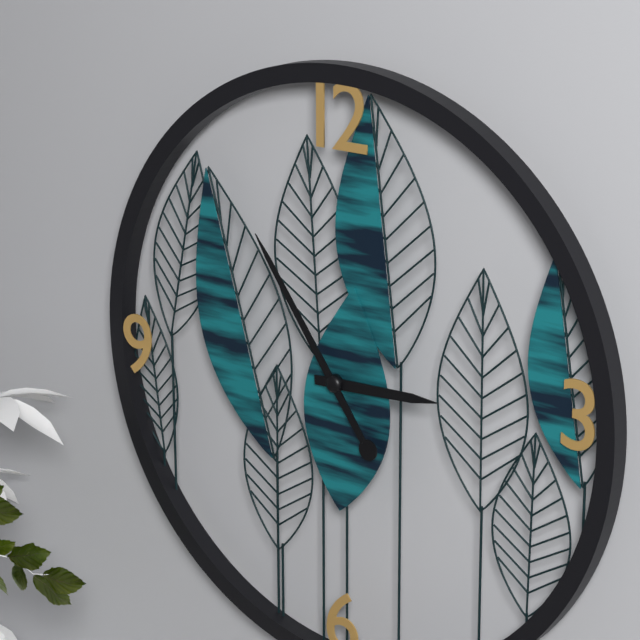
2:54
